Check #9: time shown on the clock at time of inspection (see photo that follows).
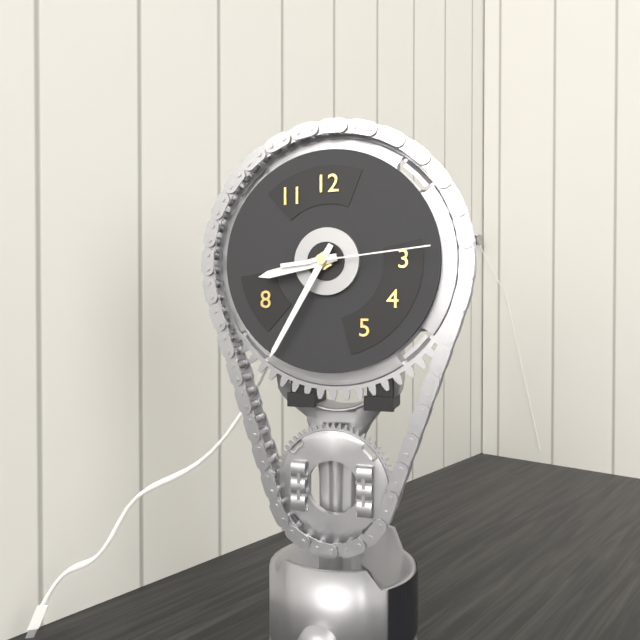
8:35:14
